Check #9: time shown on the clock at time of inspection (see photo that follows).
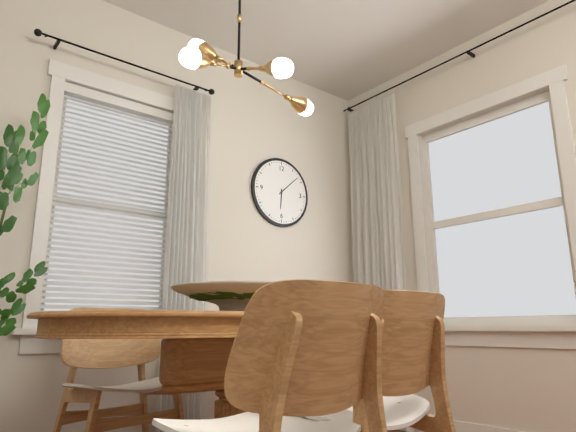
6:08
